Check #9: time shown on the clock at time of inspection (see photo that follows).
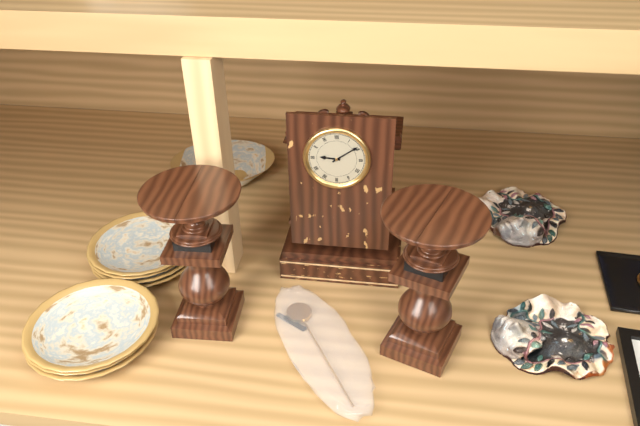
9:09
